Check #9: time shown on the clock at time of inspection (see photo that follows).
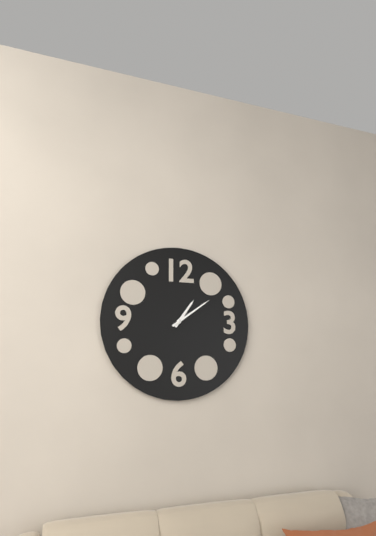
1:09
